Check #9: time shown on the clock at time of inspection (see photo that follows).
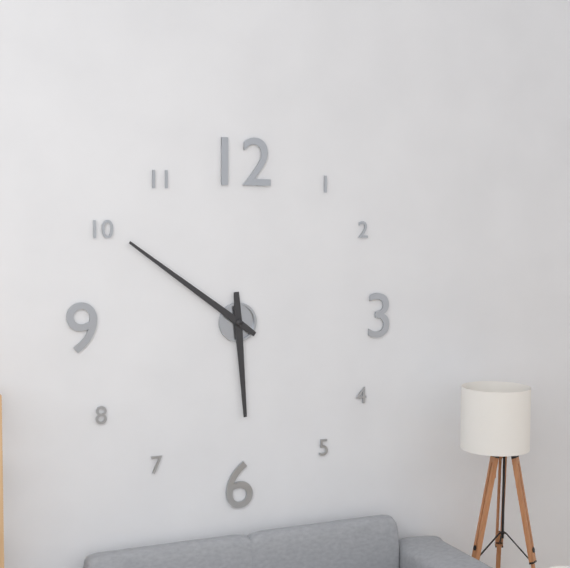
5:51
